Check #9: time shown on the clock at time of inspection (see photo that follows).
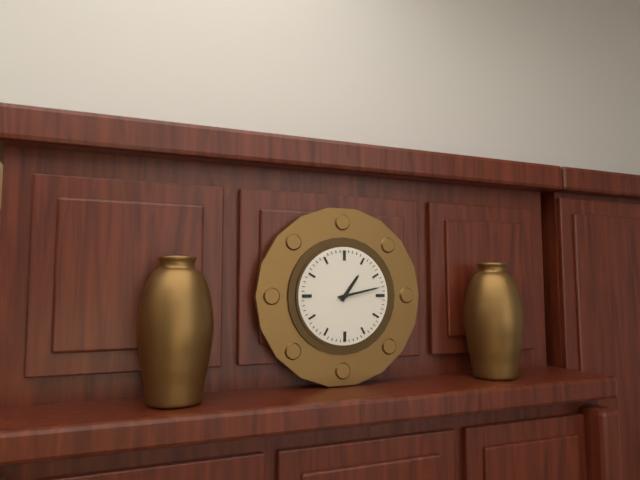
1:13
